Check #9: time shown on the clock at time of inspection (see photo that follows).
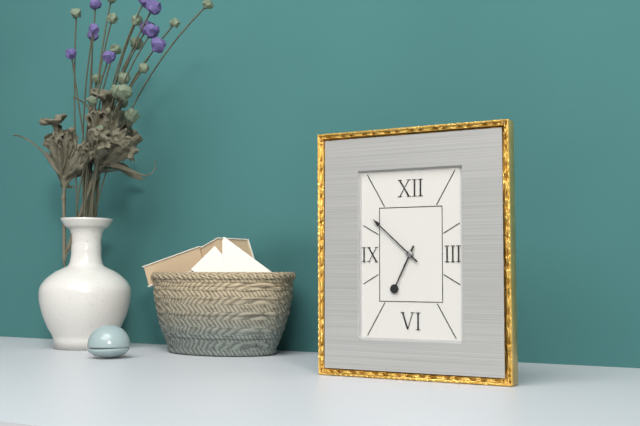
6:52
